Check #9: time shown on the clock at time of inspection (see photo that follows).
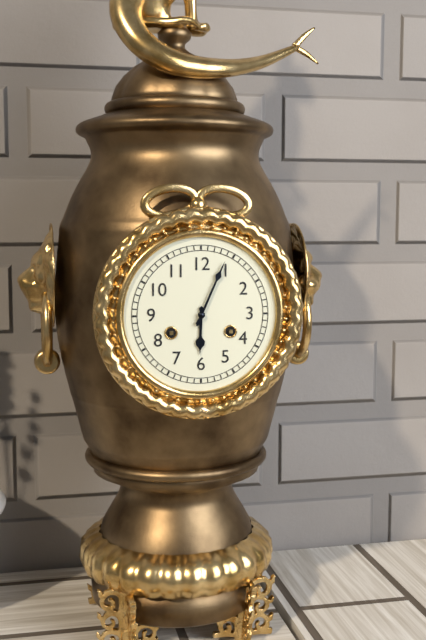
6:04
